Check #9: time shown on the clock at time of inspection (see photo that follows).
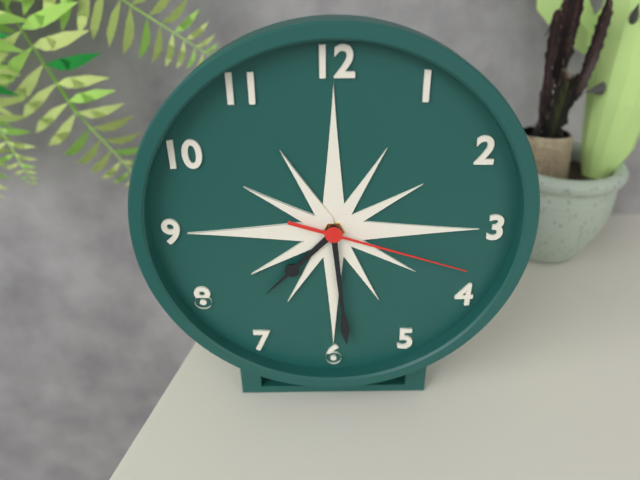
7:29:18
